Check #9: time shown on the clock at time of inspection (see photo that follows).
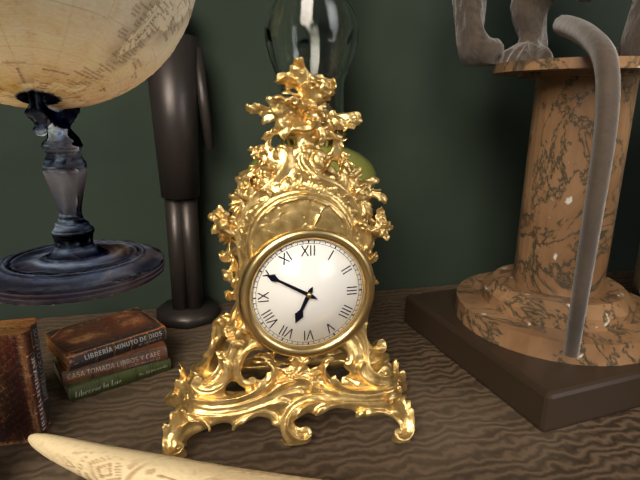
6:50
